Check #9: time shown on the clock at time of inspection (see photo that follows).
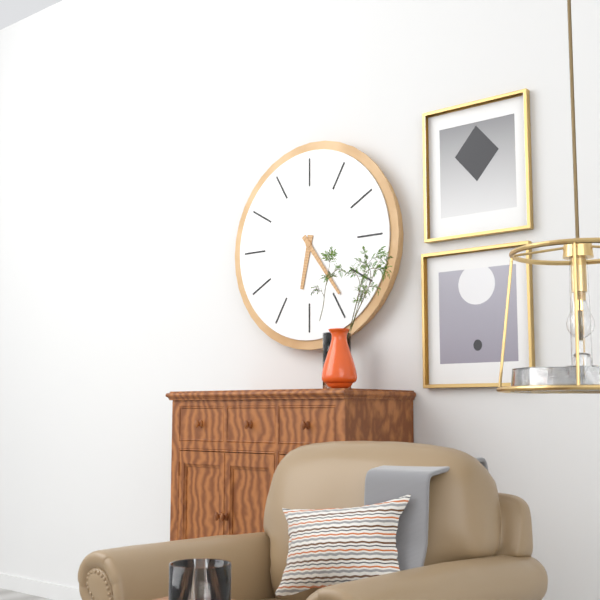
6:24
